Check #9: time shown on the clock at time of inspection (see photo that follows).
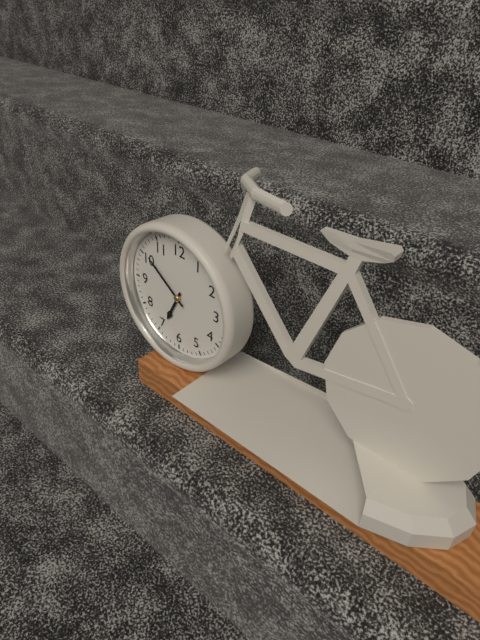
6:51
